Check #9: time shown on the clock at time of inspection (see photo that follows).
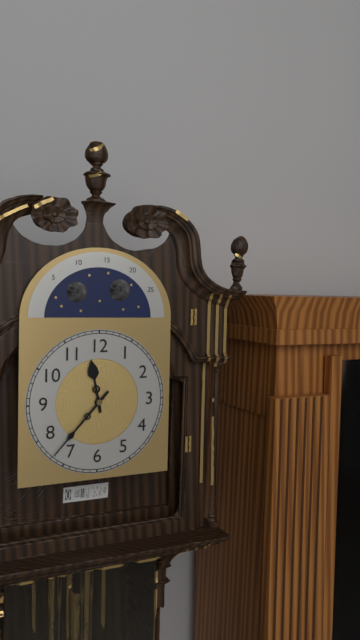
11:37
